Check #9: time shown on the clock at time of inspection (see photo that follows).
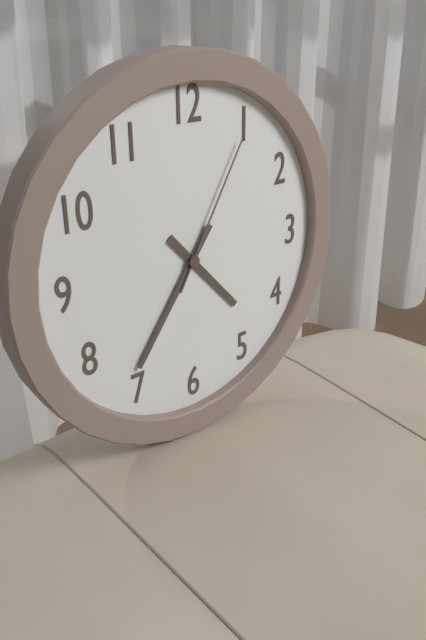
4:36:05
